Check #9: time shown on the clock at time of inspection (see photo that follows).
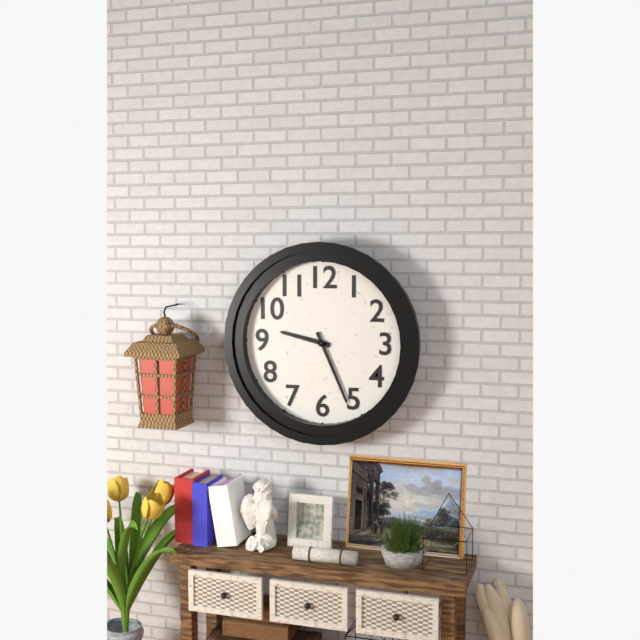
9:26
